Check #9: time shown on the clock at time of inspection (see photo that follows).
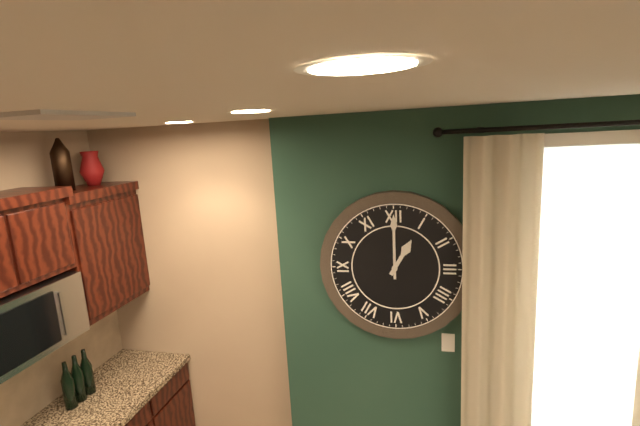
1:00
